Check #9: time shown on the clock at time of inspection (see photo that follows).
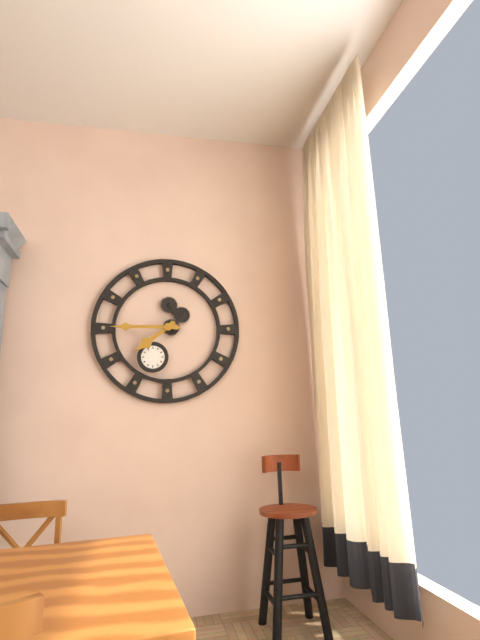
7:45
